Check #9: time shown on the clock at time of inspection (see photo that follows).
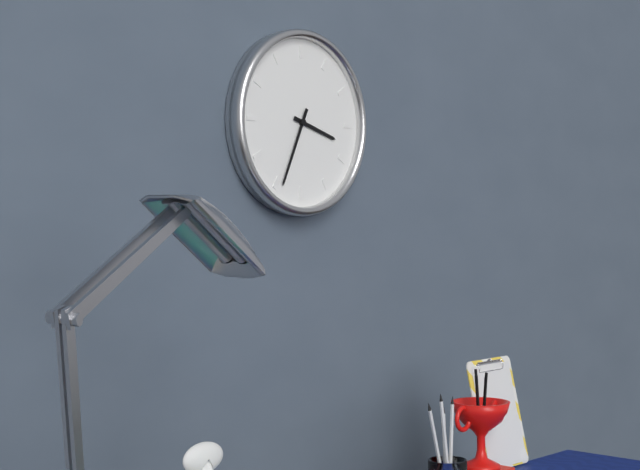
3:34
